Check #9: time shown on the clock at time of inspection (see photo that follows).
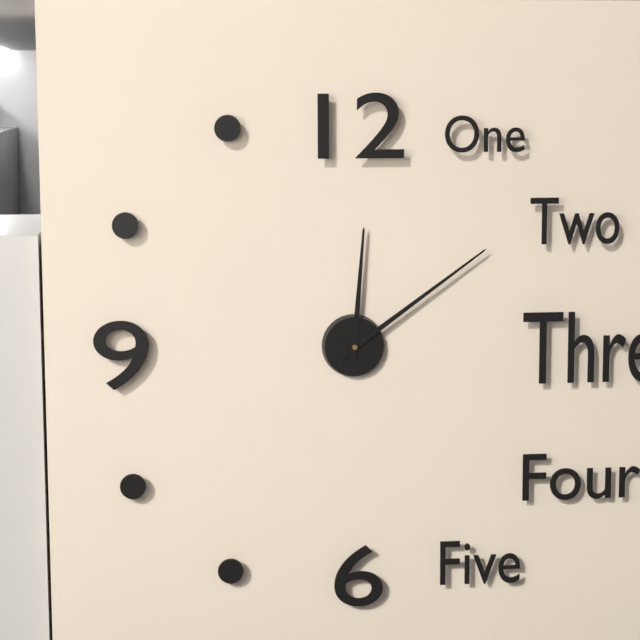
12:09
